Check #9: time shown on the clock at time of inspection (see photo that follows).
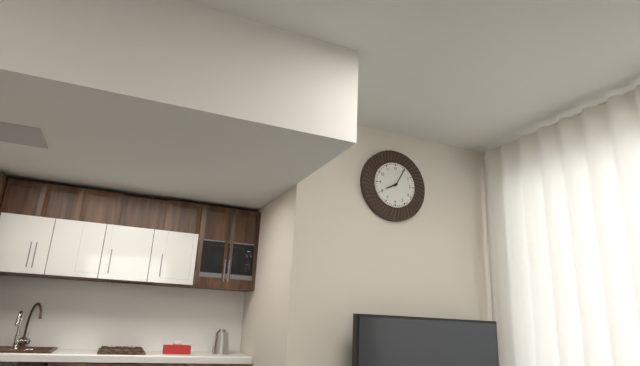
8:05
